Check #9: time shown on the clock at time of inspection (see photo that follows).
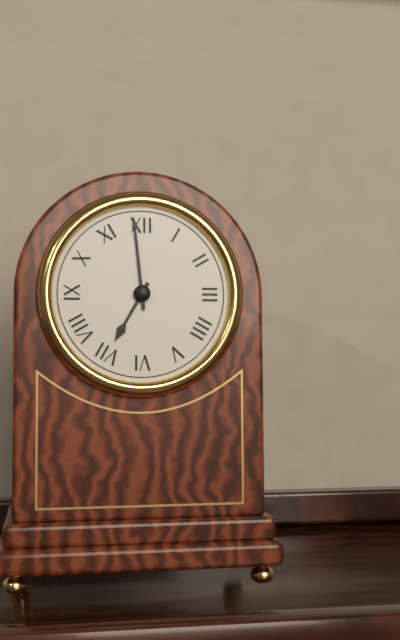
6:59
